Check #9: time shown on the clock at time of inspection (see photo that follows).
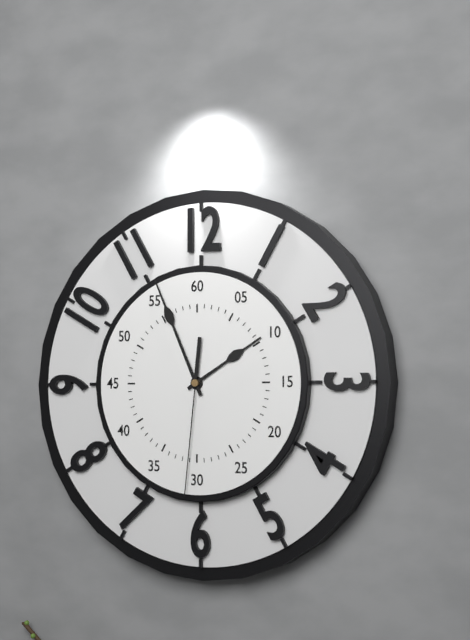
1:56:31
